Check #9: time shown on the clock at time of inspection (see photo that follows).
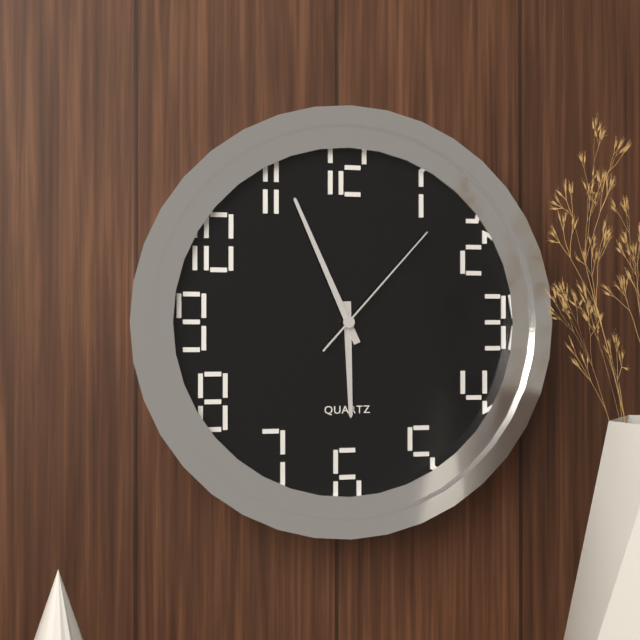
5:56:07
